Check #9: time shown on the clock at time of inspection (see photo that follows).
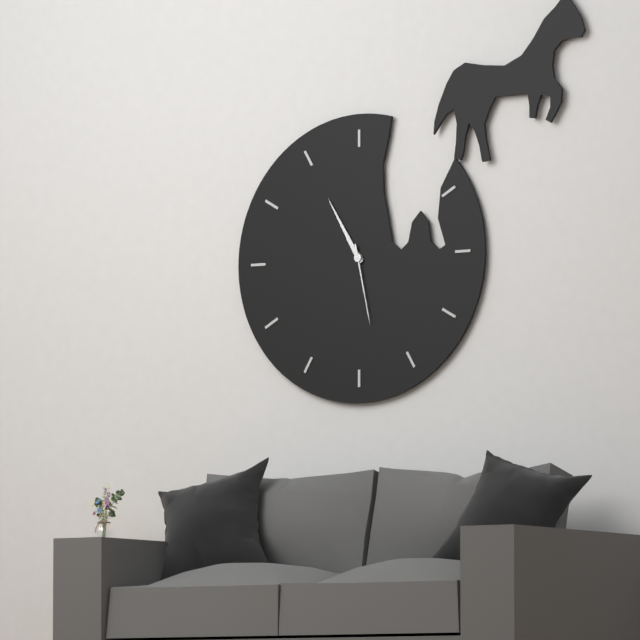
10:55:28
